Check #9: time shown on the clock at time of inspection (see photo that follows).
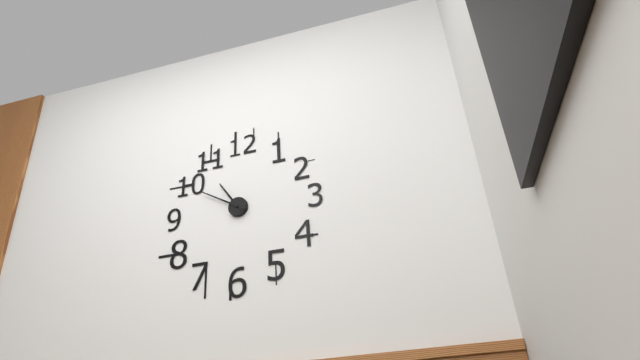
10:50
